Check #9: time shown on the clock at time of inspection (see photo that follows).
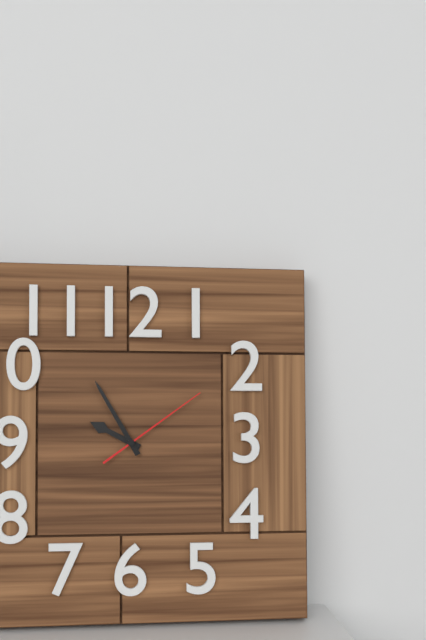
9:55:09
